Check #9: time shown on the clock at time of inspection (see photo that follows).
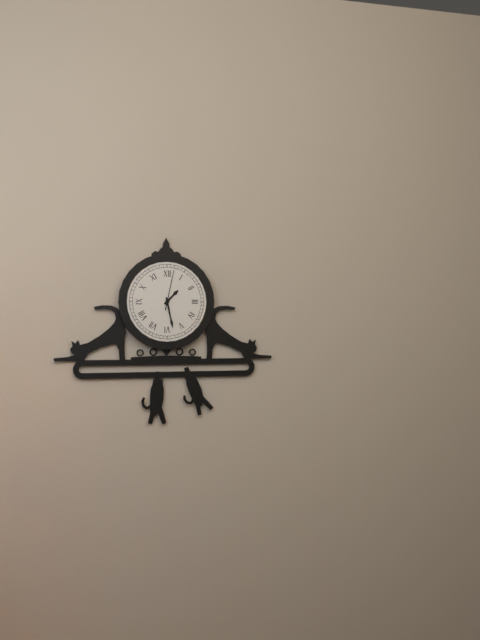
1:28
